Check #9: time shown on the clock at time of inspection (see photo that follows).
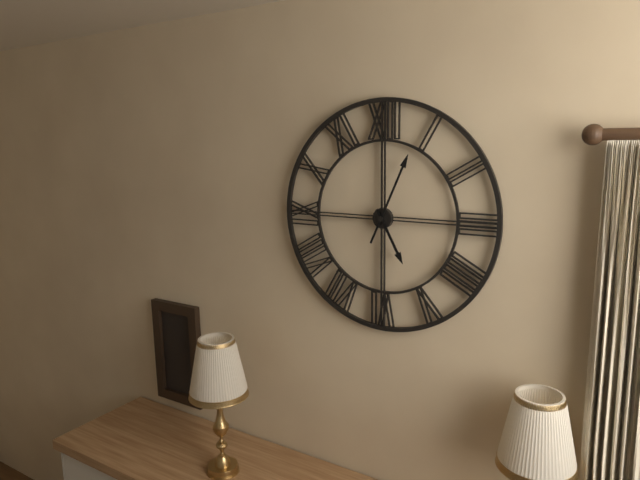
5:04
